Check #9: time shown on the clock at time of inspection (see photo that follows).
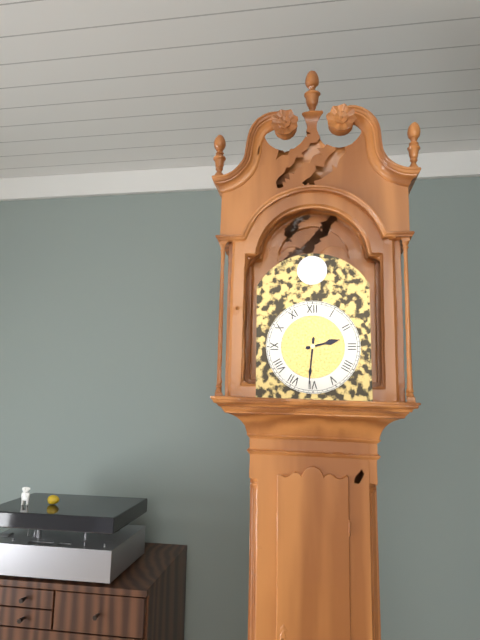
2:31
